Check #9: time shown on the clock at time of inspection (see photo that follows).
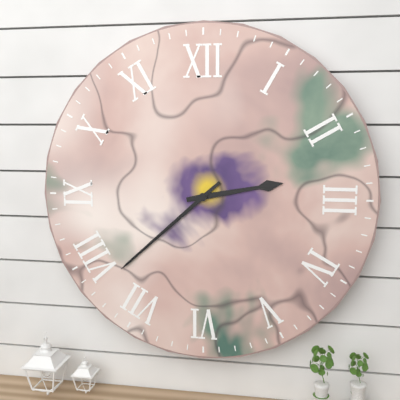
2:38
